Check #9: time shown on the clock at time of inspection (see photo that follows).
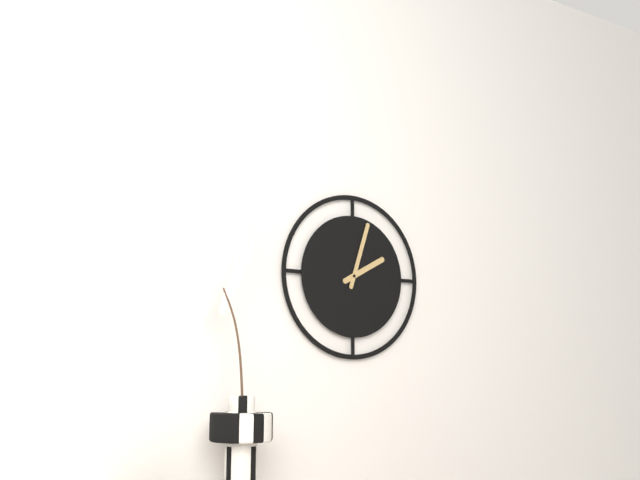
2:03
